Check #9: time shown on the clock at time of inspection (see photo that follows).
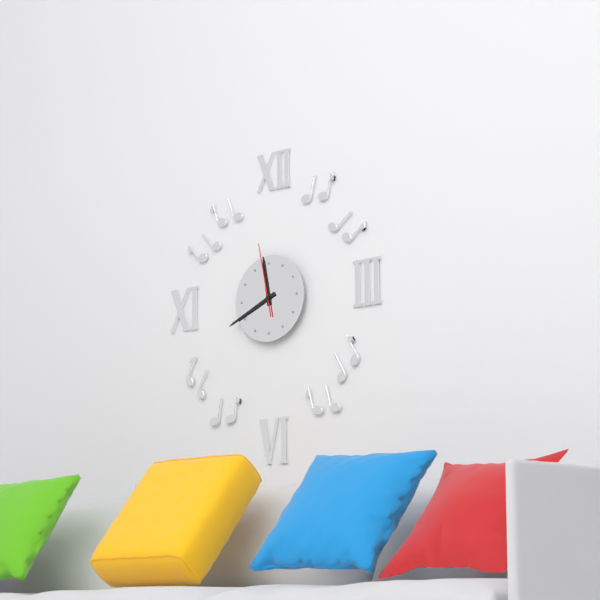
11:41:58
